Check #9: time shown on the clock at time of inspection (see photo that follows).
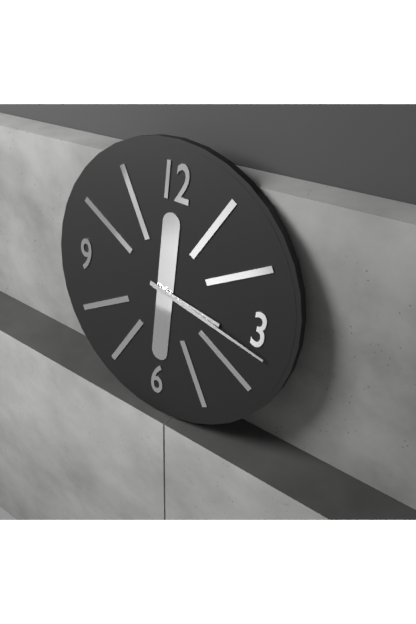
3:17
